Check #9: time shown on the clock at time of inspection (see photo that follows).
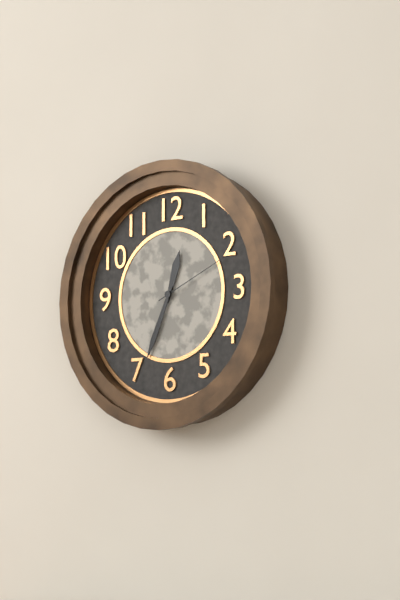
12:34:11
